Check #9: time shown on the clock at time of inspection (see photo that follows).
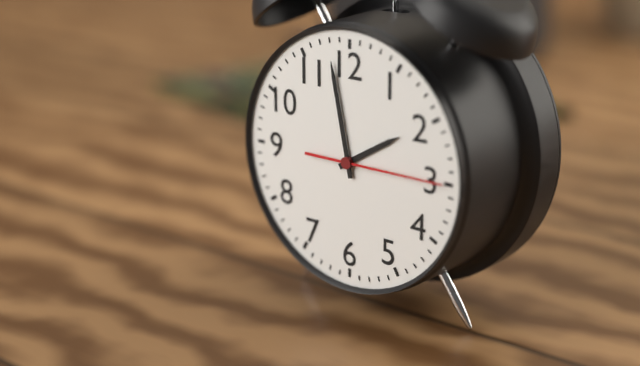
1:58:15
